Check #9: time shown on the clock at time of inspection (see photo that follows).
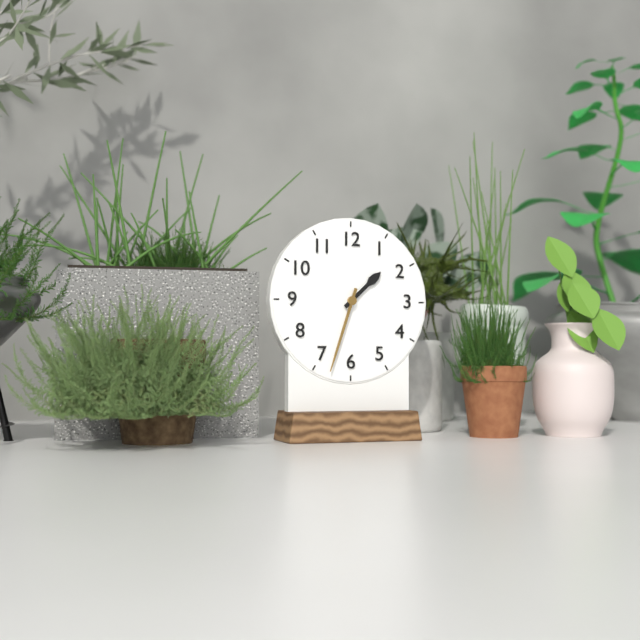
1:33
